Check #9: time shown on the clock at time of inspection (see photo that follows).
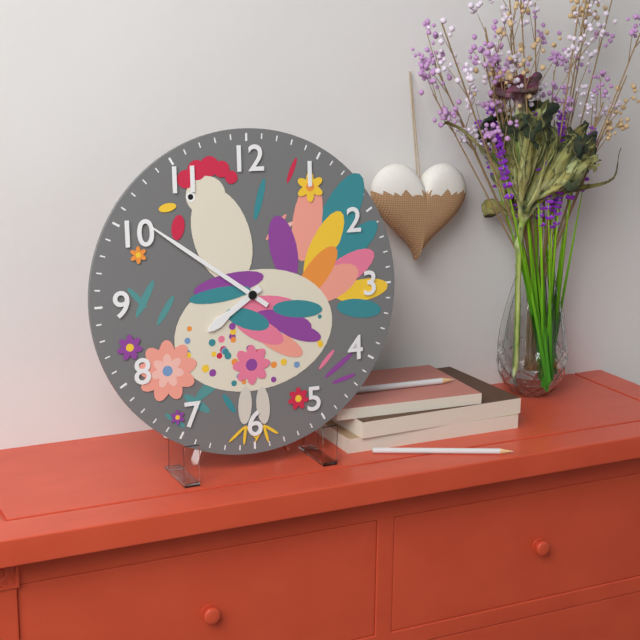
7:51
